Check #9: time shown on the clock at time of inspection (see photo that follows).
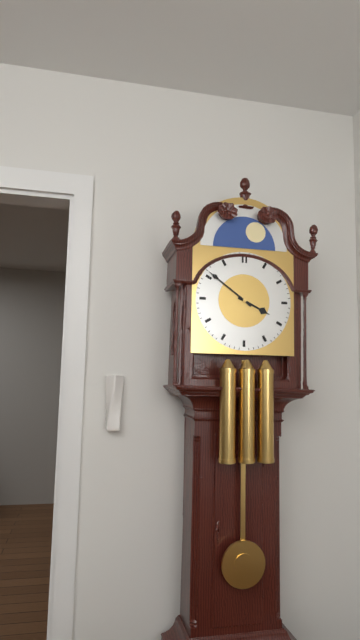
3:51
